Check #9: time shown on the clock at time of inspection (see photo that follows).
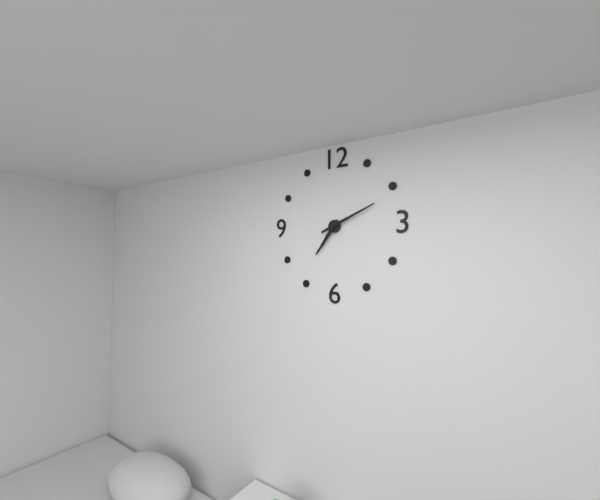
7:11
